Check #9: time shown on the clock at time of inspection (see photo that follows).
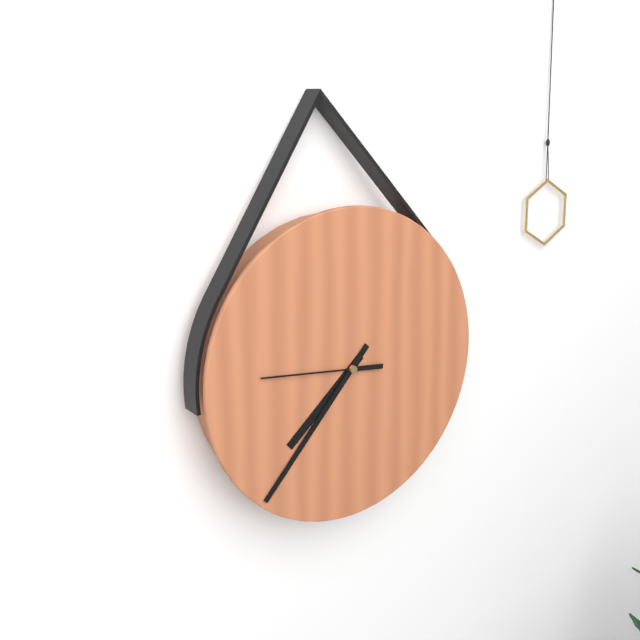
7:37:46
